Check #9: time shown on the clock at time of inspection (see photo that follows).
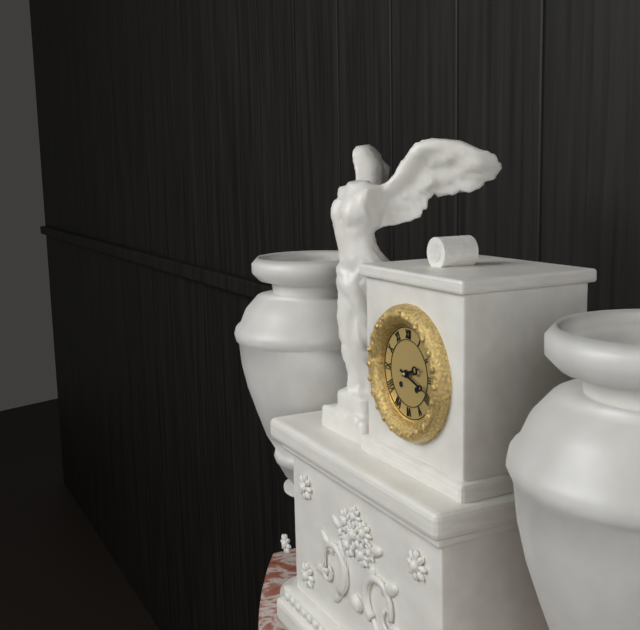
2:18
